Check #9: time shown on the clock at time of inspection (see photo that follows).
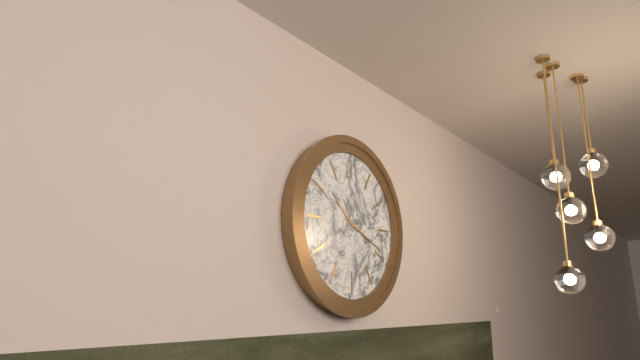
10:19
